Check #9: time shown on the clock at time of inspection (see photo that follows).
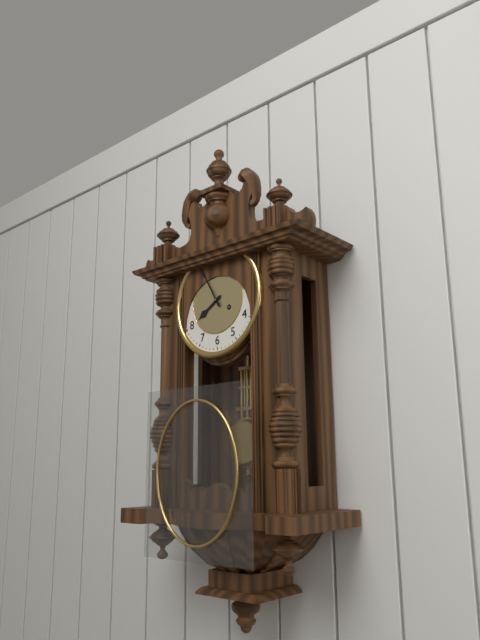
7:55
